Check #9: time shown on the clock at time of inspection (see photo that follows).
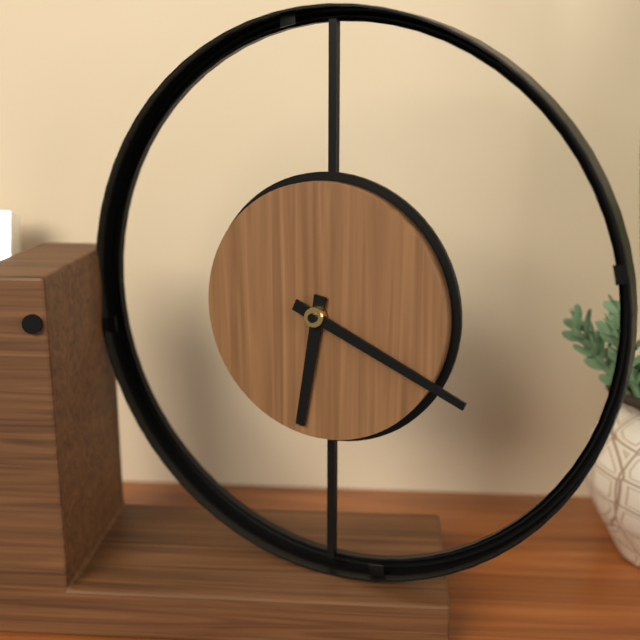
6:19
